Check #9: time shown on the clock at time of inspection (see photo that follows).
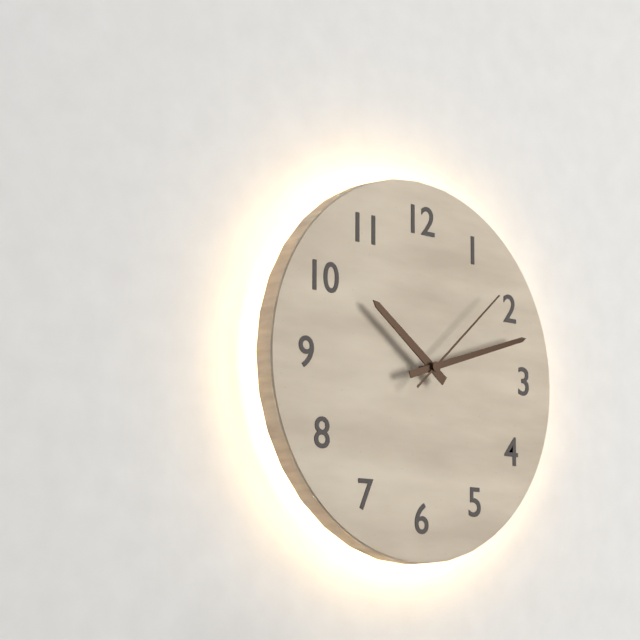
10:12:08
